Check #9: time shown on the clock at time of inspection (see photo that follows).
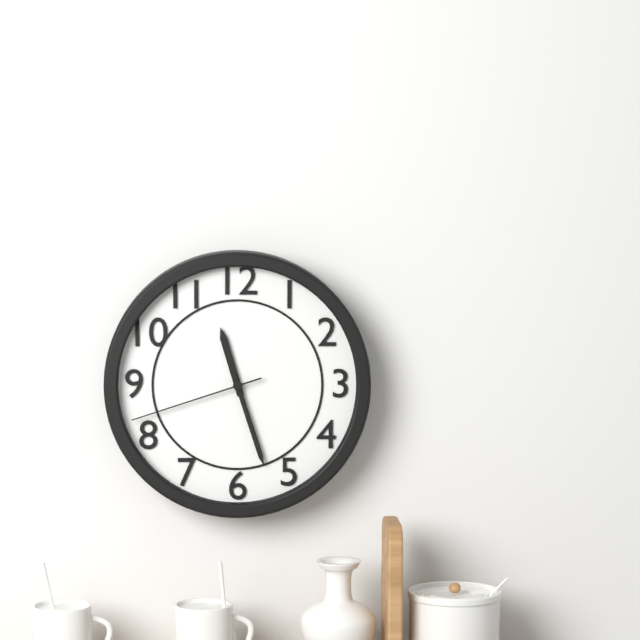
11:27:42
